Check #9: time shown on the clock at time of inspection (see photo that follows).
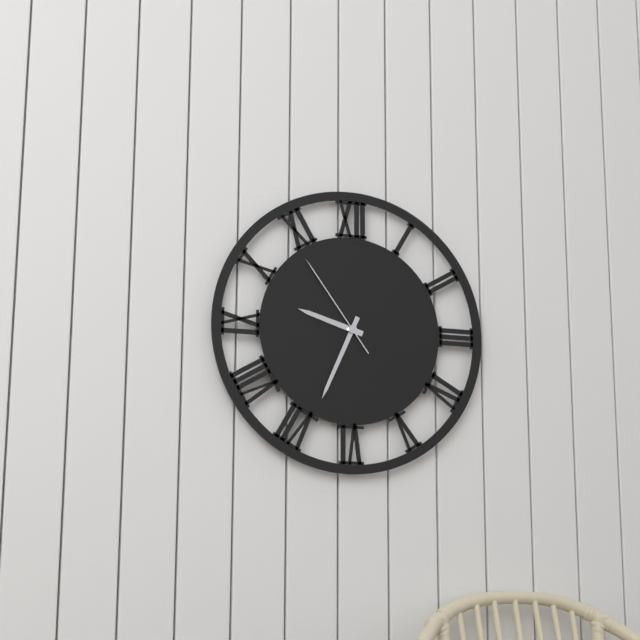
9:34:54
